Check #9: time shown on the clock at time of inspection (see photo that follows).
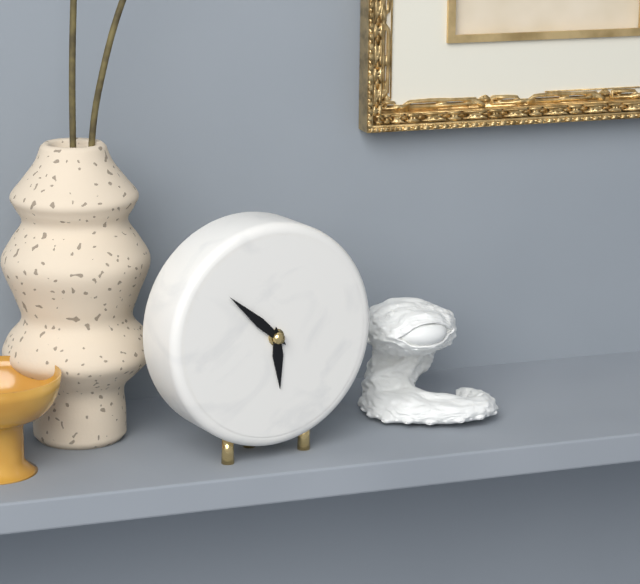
5:52
